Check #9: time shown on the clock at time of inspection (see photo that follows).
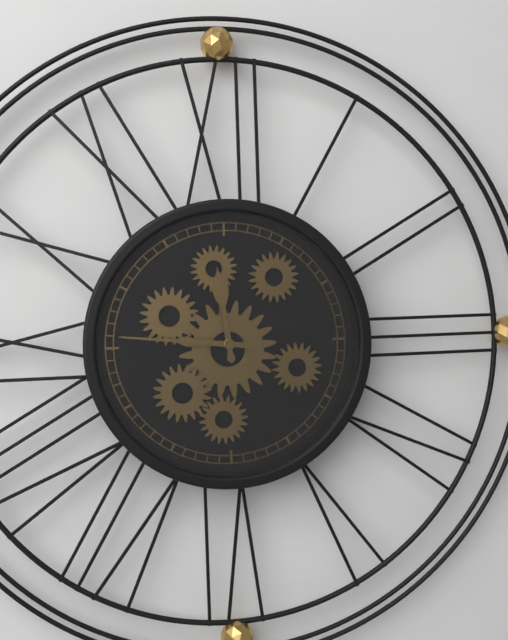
11:46
